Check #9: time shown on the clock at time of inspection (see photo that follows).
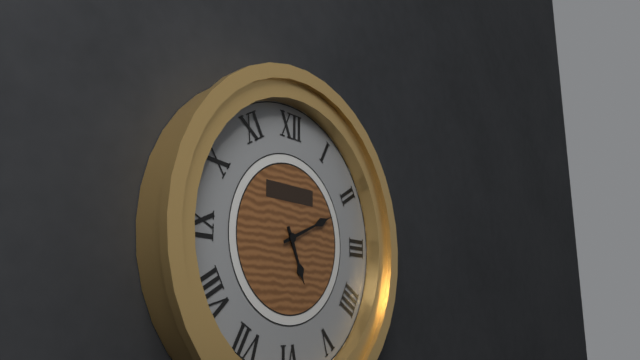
5:11
